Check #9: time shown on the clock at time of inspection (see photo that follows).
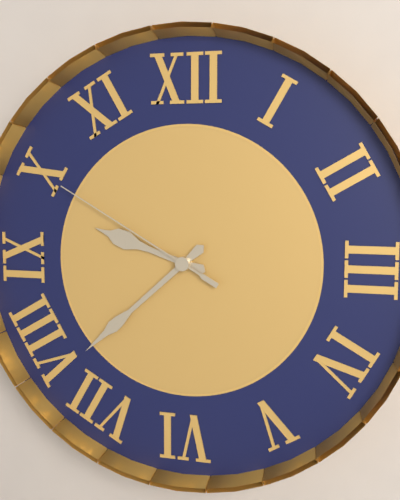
9:38:50
